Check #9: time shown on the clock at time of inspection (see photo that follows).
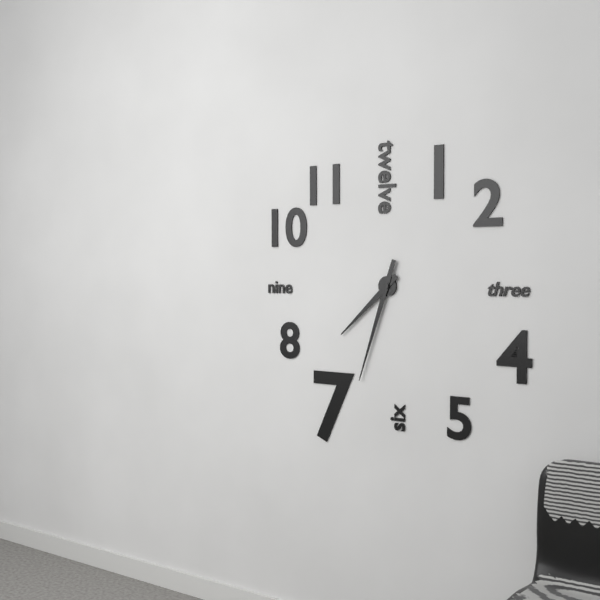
7:33
